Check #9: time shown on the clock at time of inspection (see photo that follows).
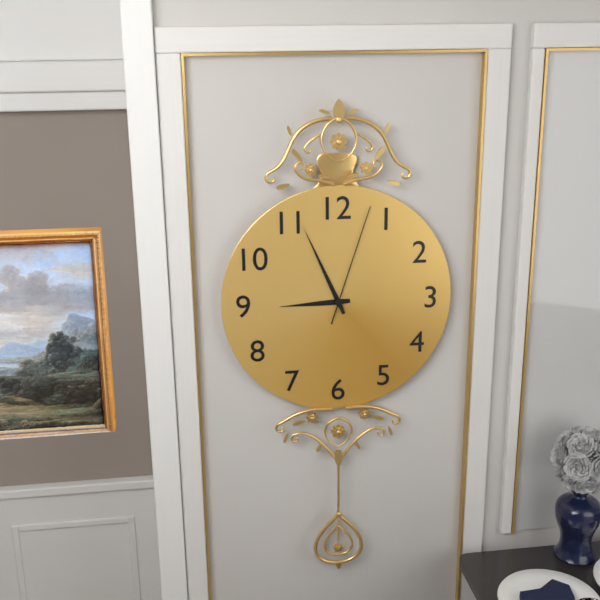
8:56:03
